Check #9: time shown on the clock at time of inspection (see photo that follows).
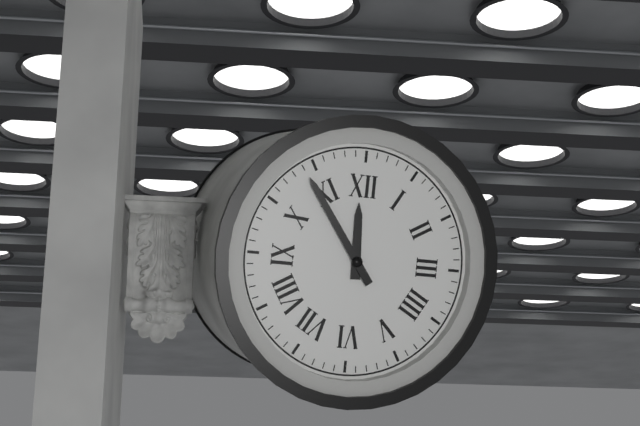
11:54
